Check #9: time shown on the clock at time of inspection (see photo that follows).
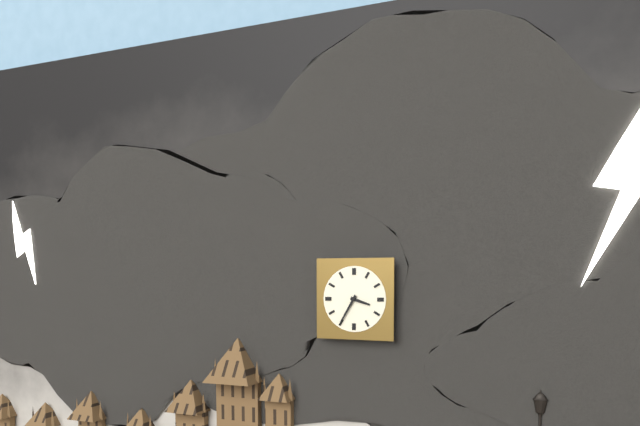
3:35
